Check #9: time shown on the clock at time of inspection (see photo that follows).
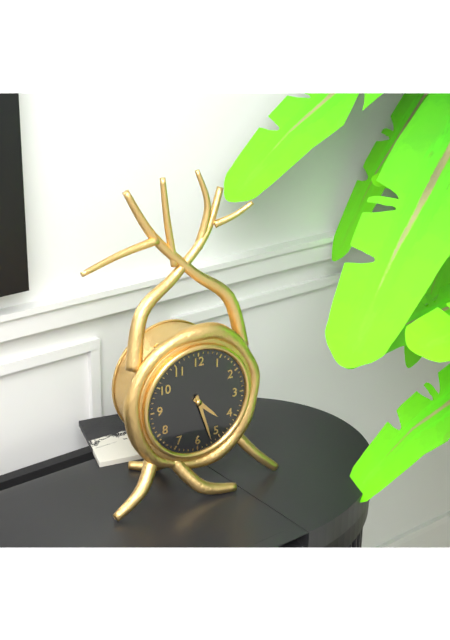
4:27
